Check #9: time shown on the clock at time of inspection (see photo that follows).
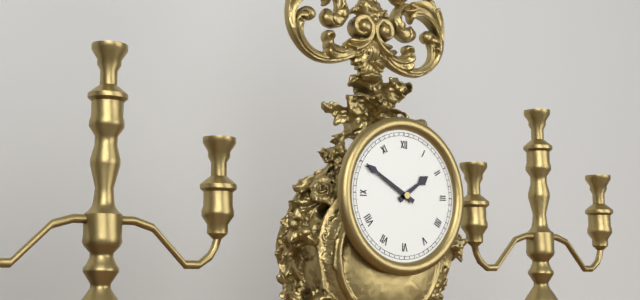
1:50
